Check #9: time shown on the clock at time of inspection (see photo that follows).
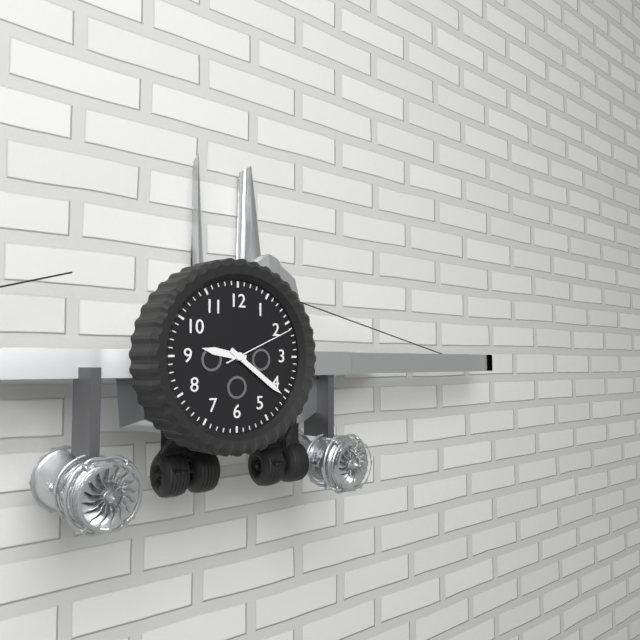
9:21:11
